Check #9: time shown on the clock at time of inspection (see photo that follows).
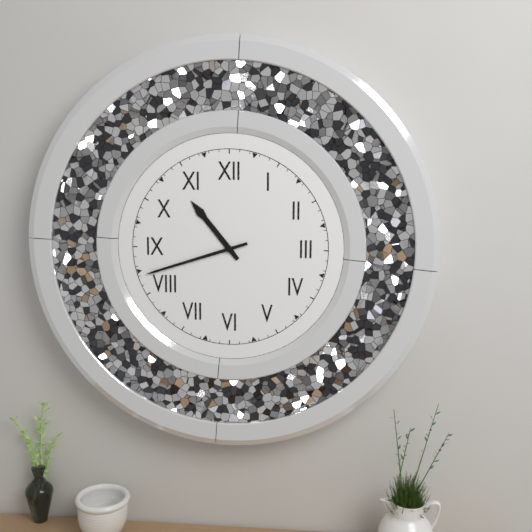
10:42
